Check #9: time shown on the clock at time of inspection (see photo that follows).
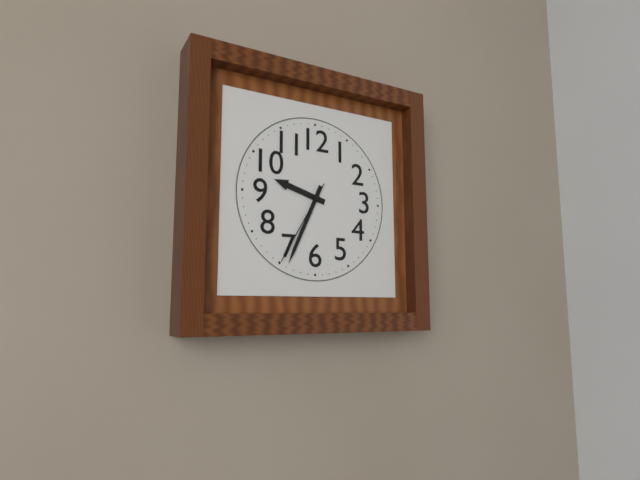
9:34:35
